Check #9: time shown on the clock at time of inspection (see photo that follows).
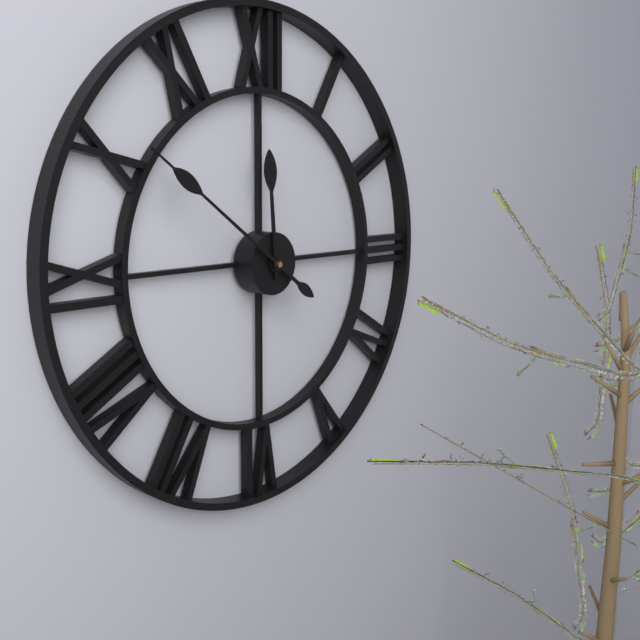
11:51
